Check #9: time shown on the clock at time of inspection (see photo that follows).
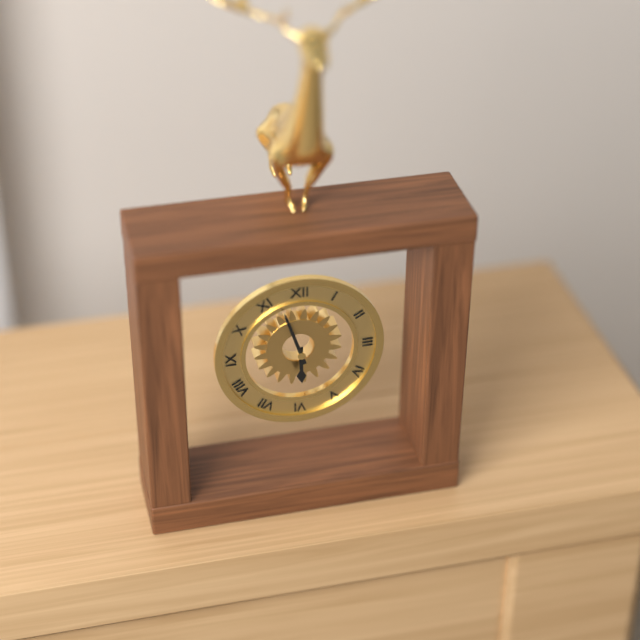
5:57
